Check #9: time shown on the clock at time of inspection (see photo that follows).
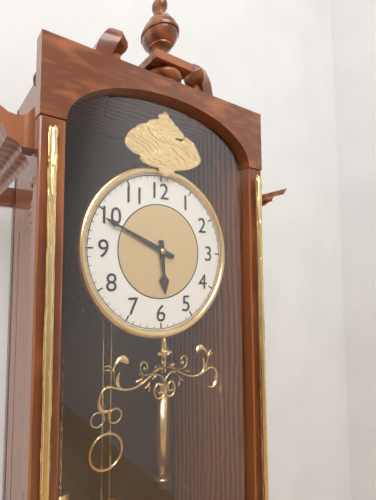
5:49
